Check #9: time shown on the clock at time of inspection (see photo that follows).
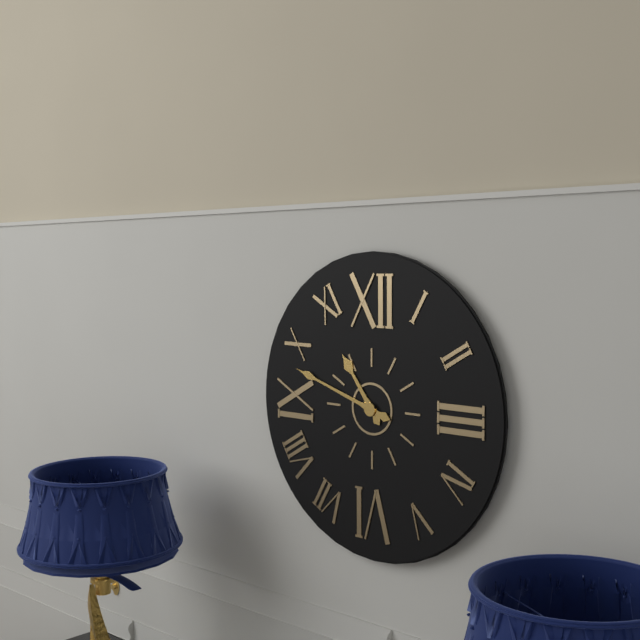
10:48
